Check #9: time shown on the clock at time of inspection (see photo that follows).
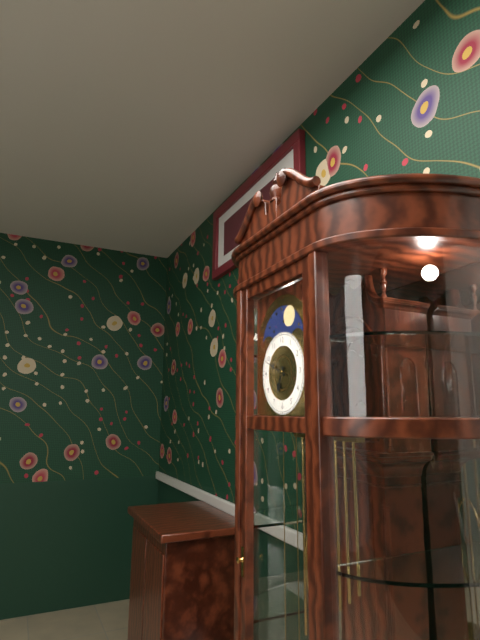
6:49
